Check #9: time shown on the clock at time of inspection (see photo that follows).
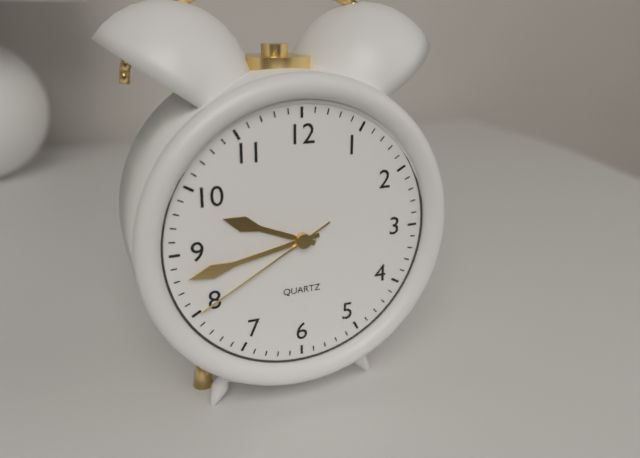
9:43:40
